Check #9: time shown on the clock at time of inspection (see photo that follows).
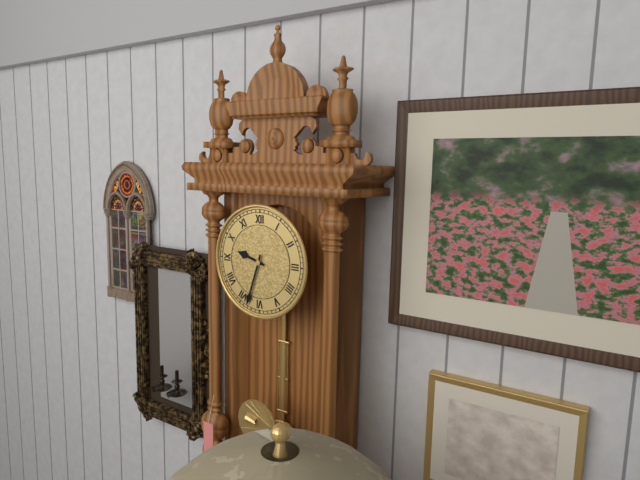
9:33
